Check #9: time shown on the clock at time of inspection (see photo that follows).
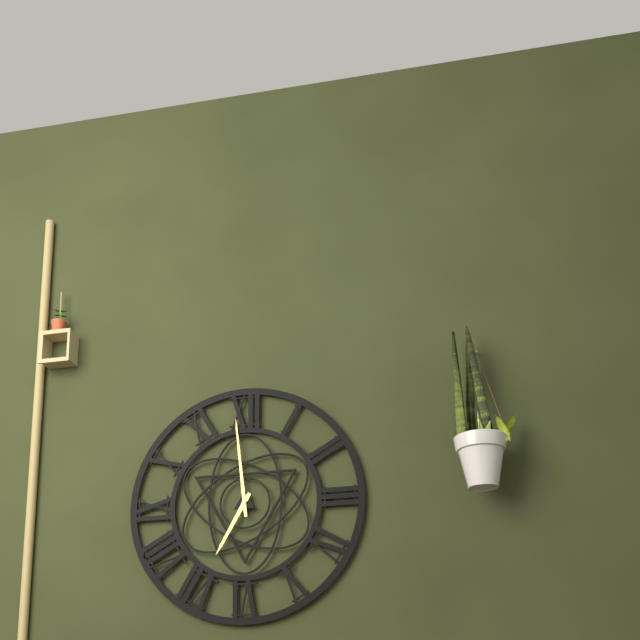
6:59
